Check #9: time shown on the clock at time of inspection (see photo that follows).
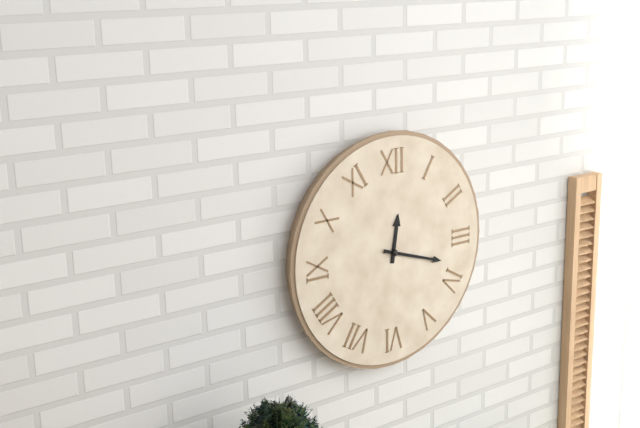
12:18
